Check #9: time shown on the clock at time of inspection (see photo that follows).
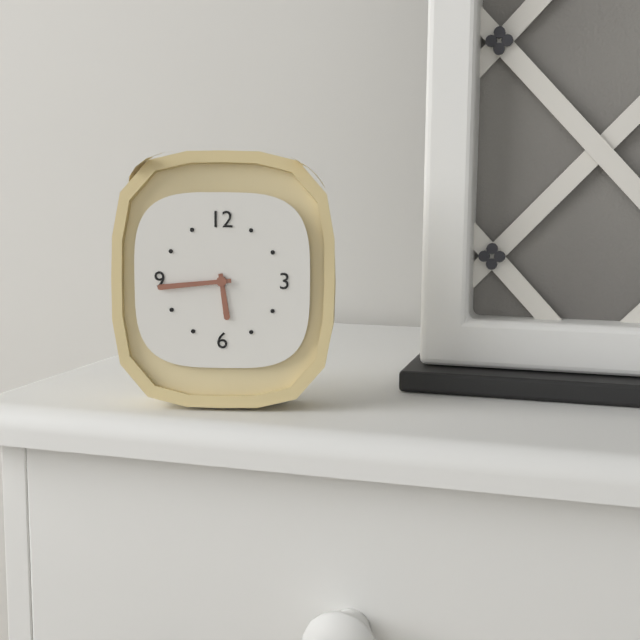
5:44
